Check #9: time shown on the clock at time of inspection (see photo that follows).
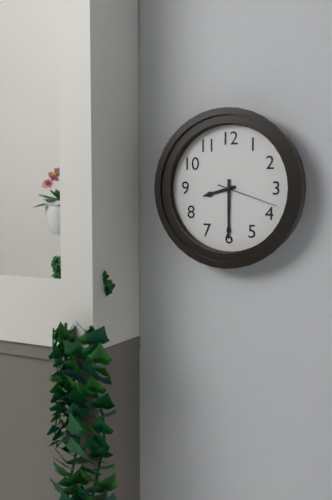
8:30:18
